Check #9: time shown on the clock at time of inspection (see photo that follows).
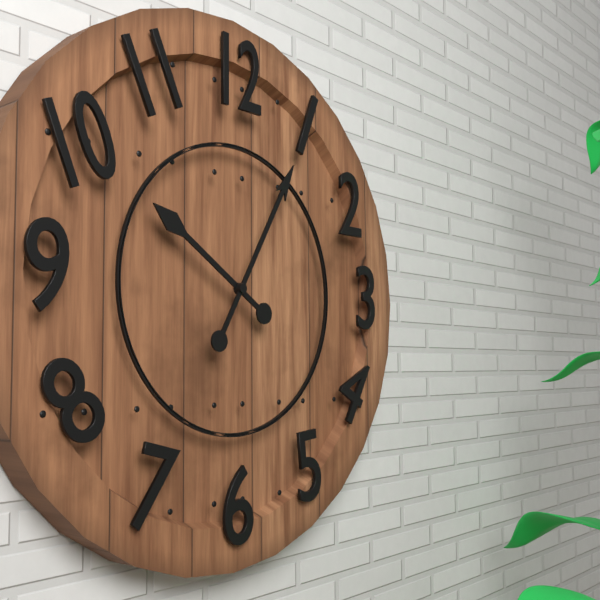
10:05
